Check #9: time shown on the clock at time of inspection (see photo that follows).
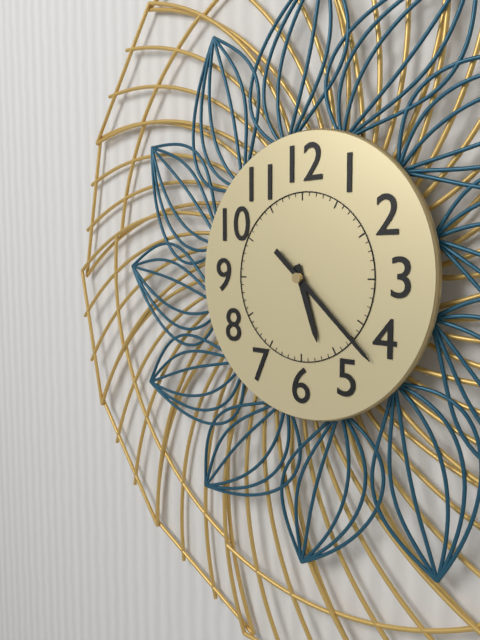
5:22
